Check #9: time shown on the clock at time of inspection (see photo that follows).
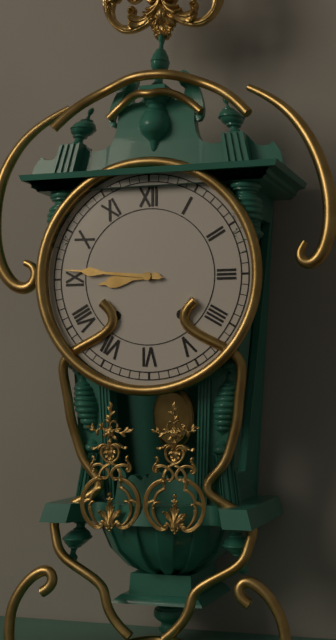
8:46
